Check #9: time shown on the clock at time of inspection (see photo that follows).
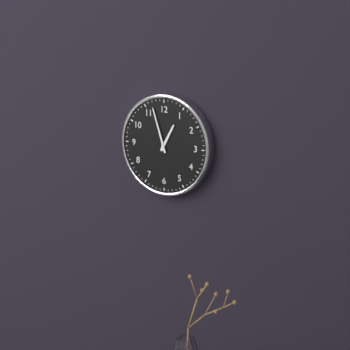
12:57
